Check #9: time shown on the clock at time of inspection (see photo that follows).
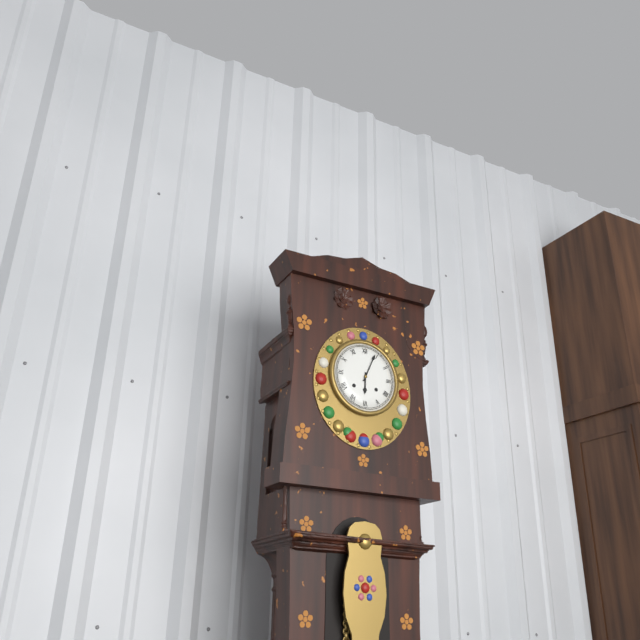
6:04
